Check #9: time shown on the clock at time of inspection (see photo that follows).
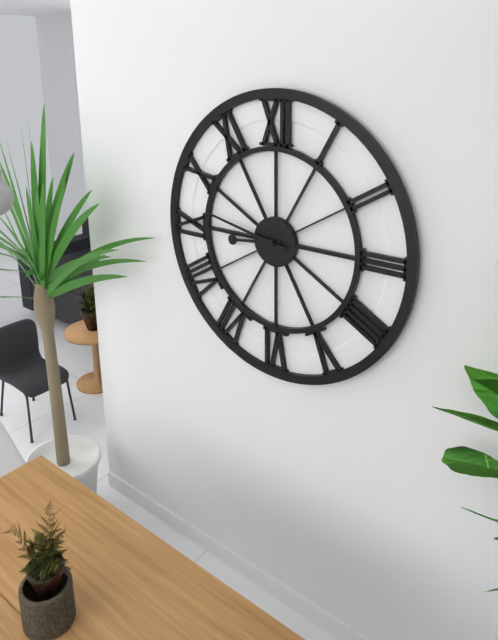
8:47
